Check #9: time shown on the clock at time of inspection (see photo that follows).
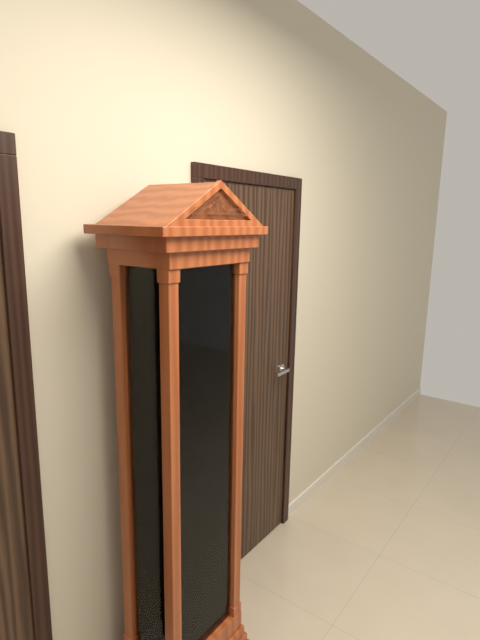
8:56
